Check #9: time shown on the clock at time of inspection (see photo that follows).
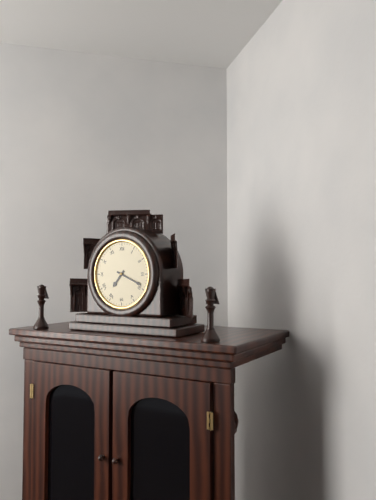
7:19
